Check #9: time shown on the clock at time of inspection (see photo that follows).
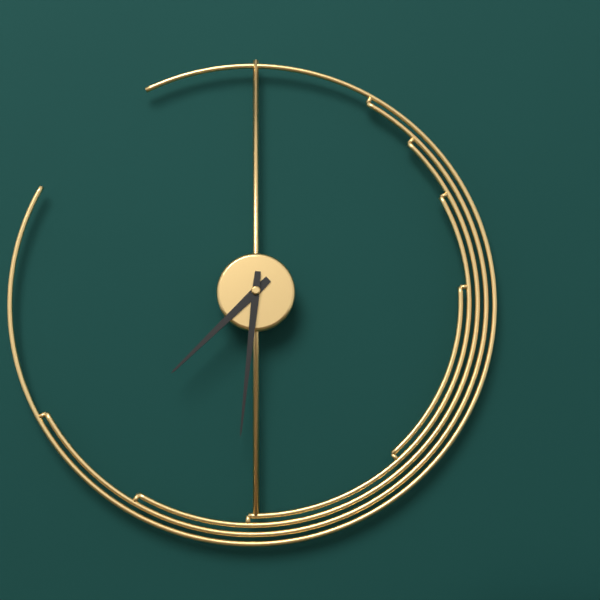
7:31
